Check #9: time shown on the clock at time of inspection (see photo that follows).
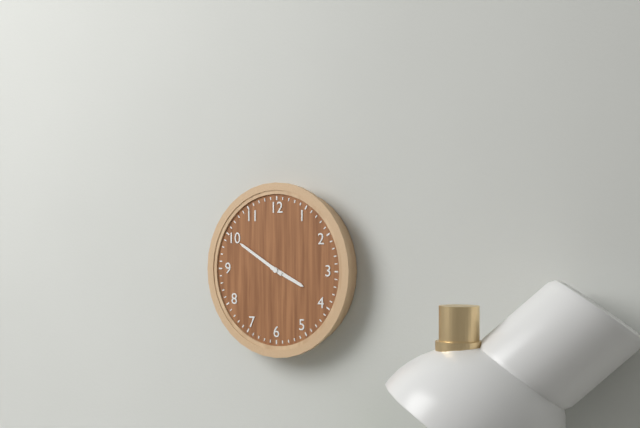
3:50
